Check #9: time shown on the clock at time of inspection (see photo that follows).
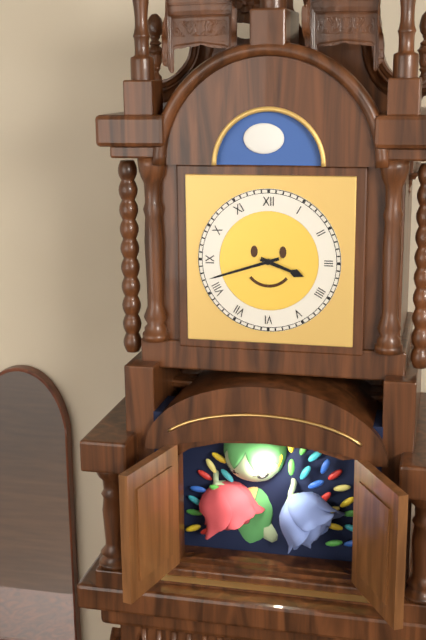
3:42
